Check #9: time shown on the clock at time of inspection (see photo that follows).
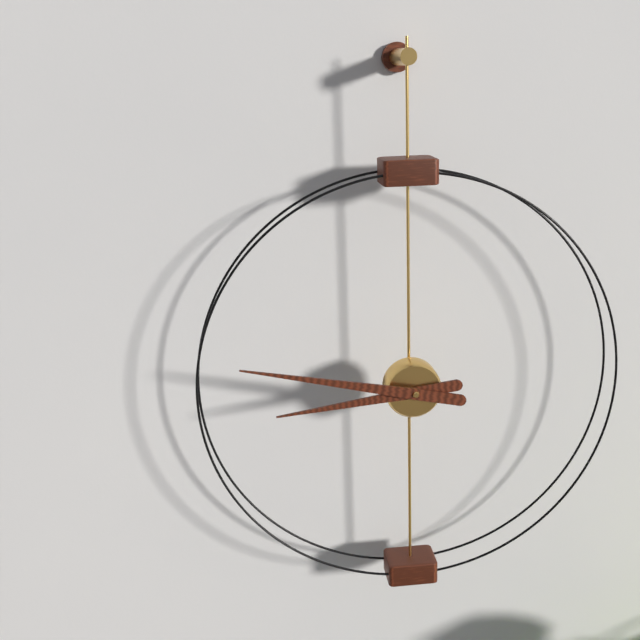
8:47
